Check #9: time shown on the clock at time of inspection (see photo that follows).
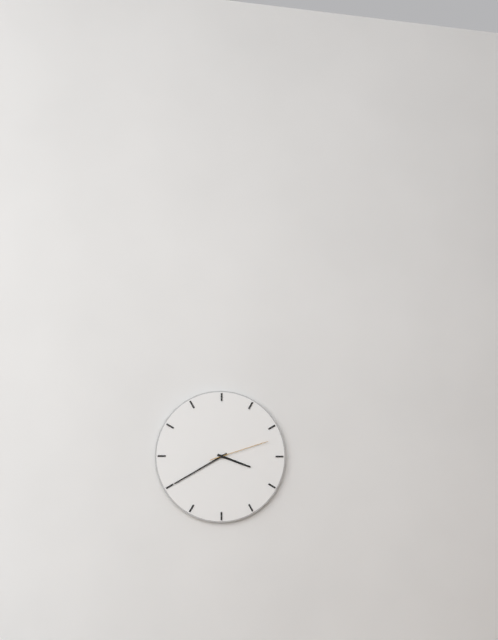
3:40:12
